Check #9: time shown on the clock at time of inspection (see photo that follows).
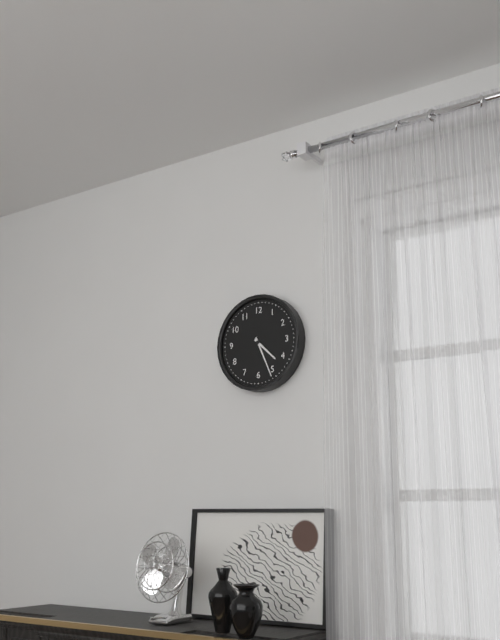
4:26
